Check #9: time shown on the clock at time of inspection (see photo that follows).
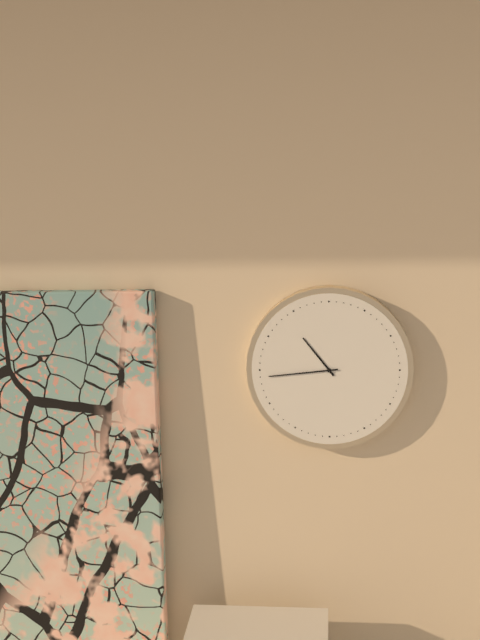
10:44
